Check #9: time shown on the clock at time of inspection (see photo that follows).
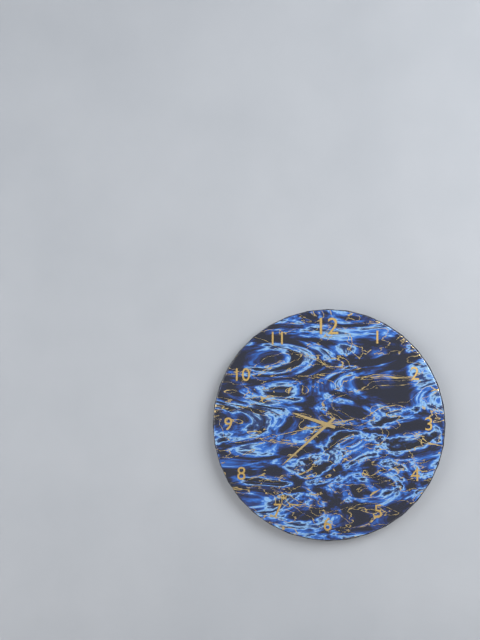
9:38:43
